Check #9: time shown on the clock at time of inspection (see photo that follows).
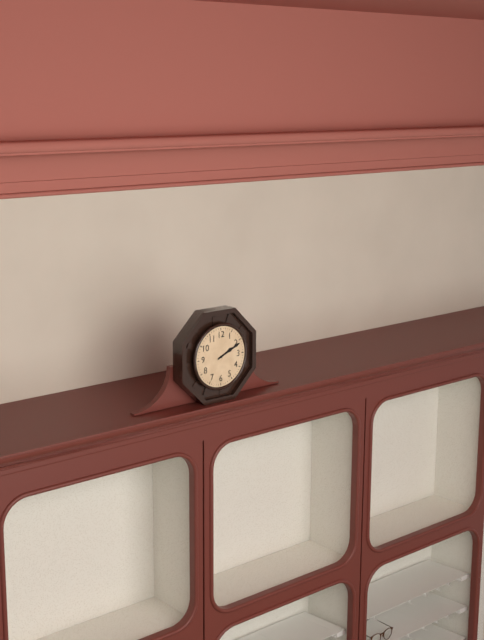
2:11
